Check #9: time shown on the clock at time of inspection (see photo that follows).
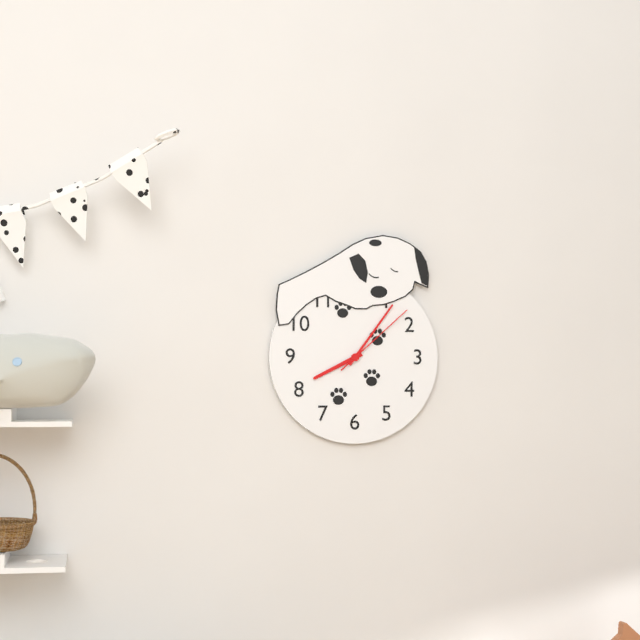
8:06:08
